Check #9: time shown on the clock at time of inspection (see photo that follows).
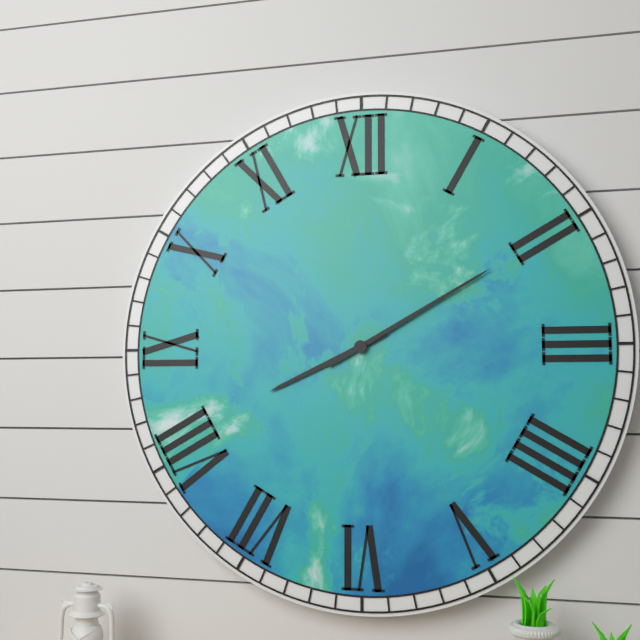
8:10
